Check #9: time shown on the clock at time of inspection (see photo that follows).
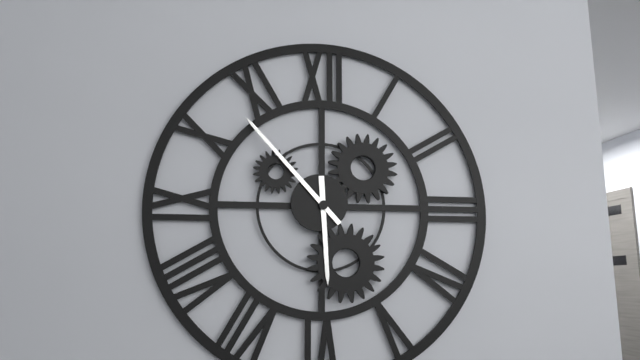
5:53
